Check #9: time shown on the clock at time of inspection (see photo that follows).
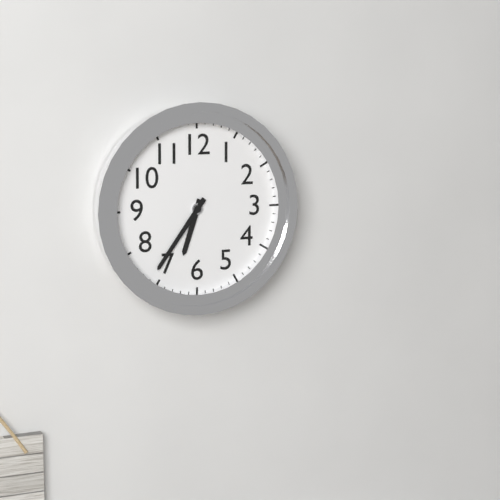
6:36
